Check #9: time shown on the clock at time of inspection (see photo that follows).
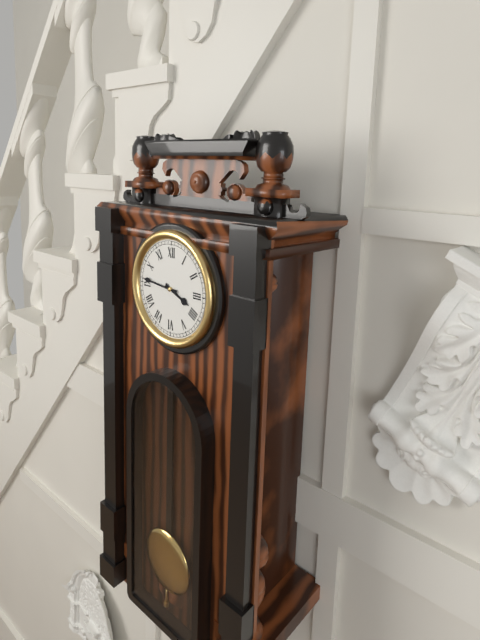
3:46
